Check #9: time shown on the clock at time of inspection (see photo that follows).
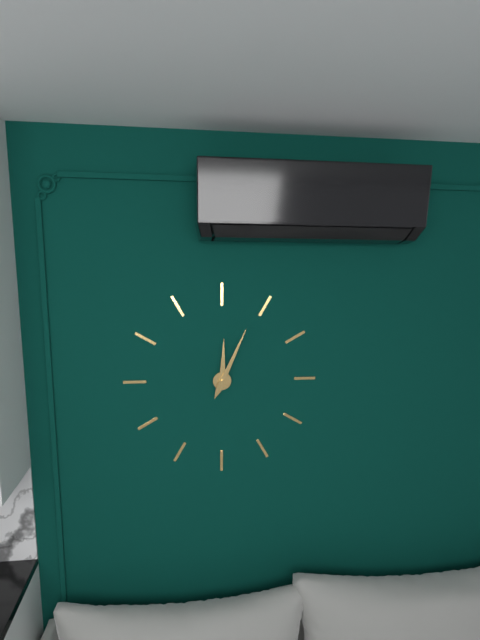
12:04
